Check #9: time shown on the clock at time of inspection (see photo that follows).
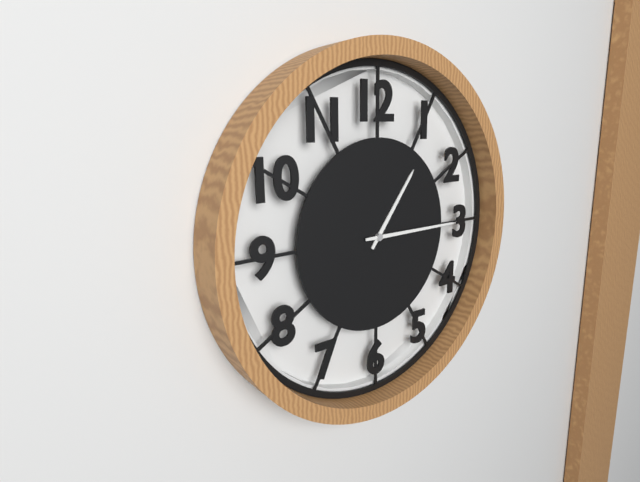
1:15
